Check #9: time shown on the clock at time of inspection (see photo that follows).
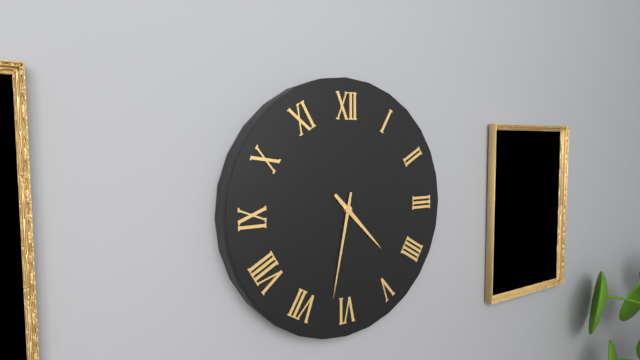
4:32
